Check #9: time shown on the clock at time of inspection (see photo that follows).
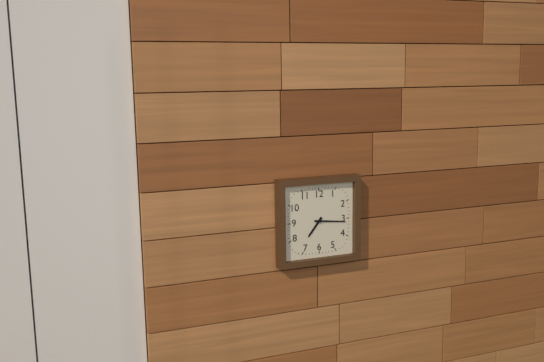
7:16
